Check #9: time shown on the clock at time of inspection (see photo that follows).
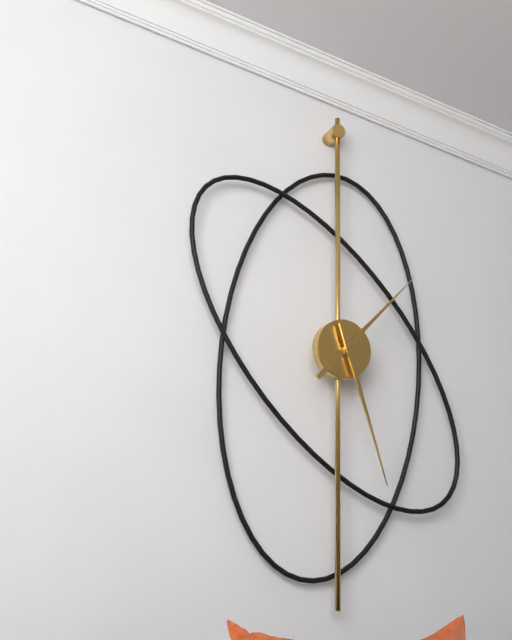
1:27
